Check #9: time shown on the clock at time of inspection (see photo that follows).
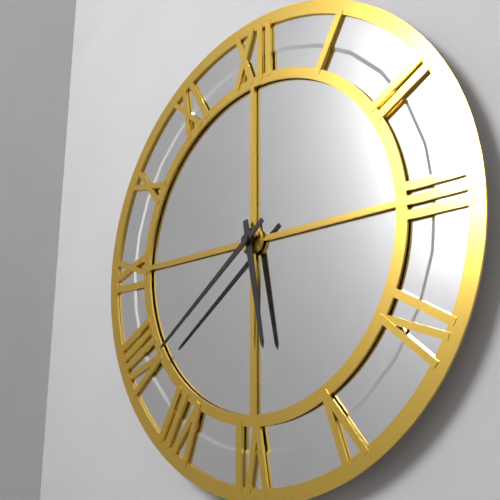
5:39
